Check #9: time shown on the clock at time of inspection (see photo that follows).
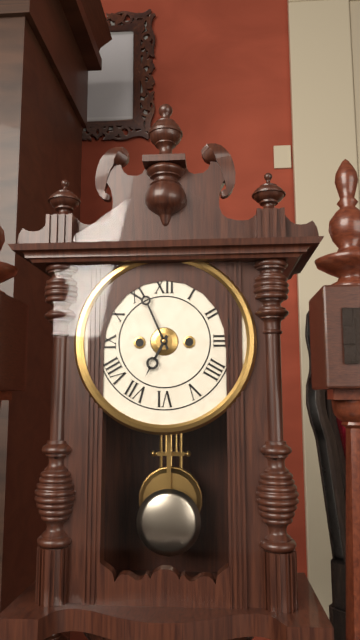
6:56
